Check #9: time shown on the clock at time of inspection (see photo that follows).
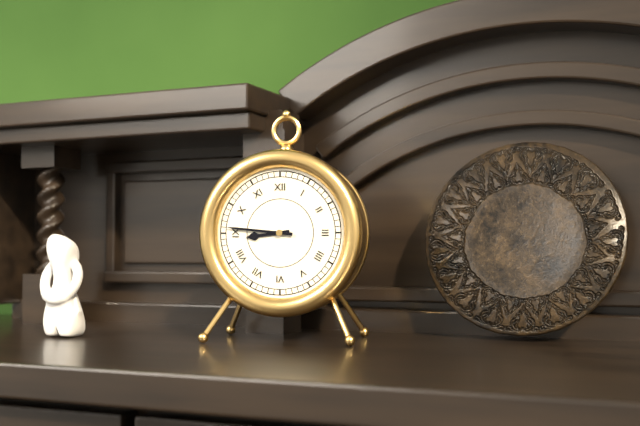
8:46
